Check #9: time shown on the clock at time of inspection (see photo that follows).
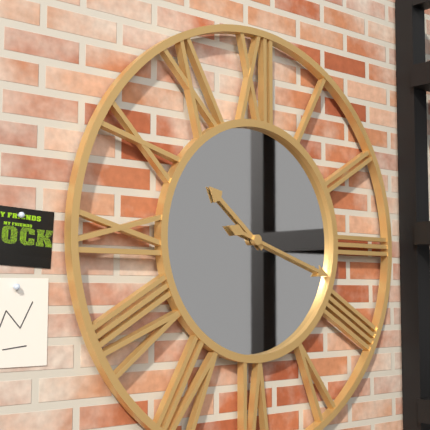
10:18
